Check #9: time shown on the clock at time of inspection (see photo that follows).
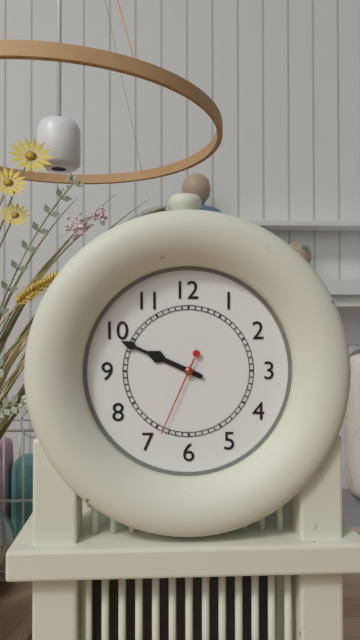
9:49:34
